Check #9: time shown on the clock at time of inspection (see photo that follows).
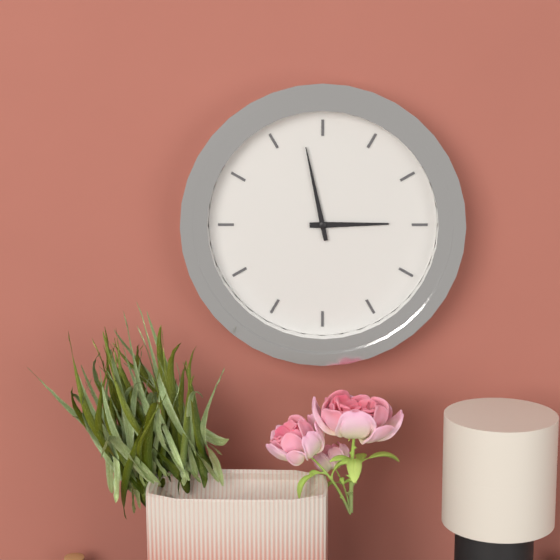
2:58
